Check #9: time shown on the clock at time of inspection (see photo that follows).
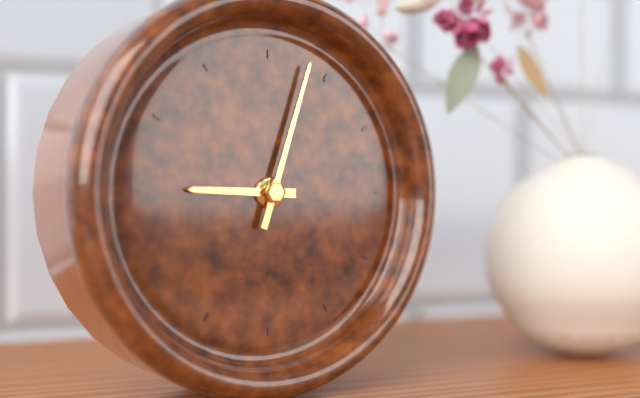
9:03
